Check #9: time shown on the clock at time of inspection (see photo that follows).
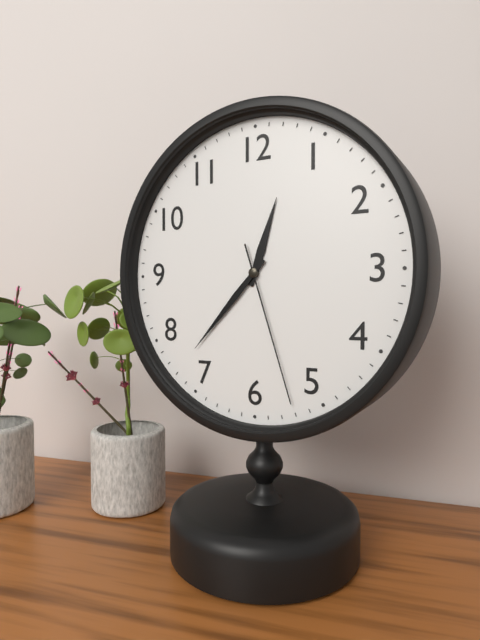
12:37:27
